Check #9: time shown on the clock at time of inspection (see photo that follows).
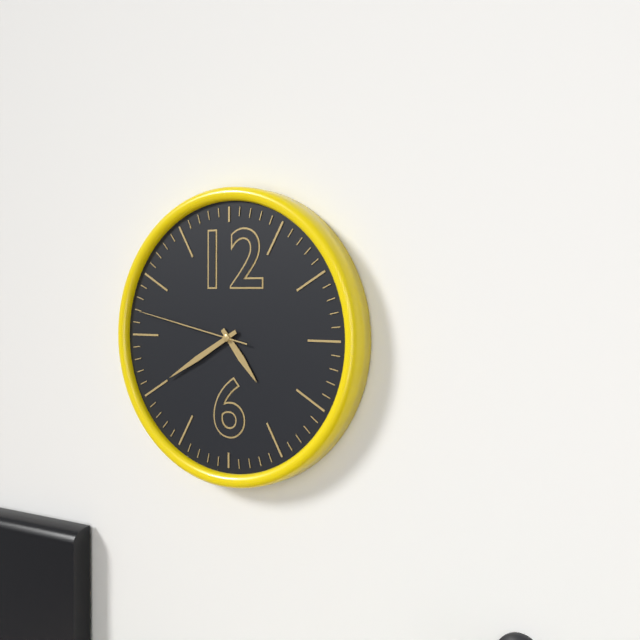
4:40:47
